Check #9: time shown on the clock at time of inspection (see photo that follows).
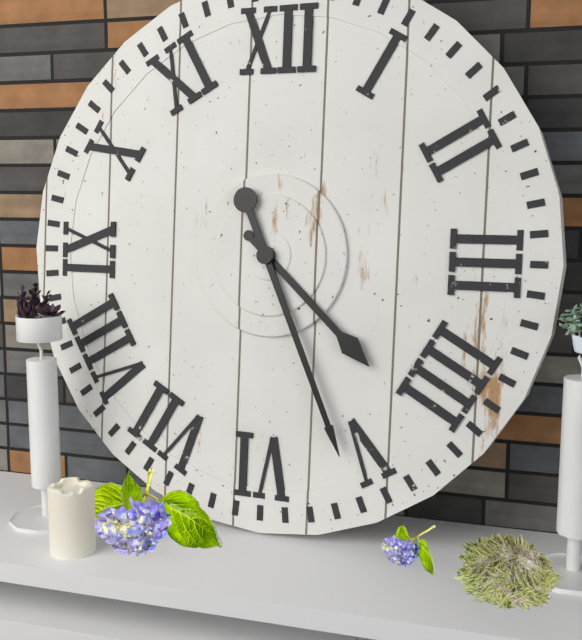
4:26
